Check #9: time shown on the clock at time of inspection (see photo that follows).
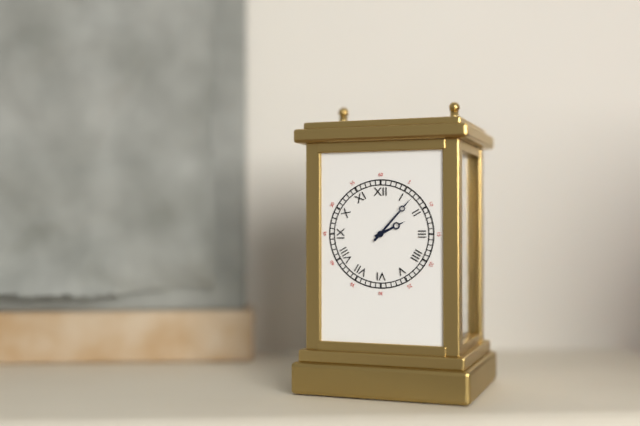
2:07
